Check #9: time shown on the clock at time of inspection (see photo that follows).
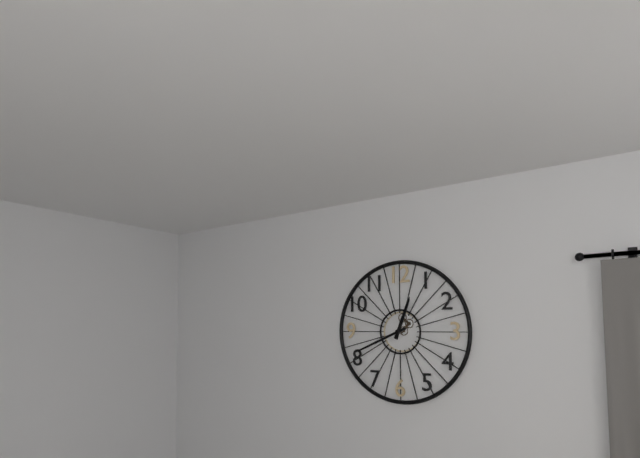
12:41
